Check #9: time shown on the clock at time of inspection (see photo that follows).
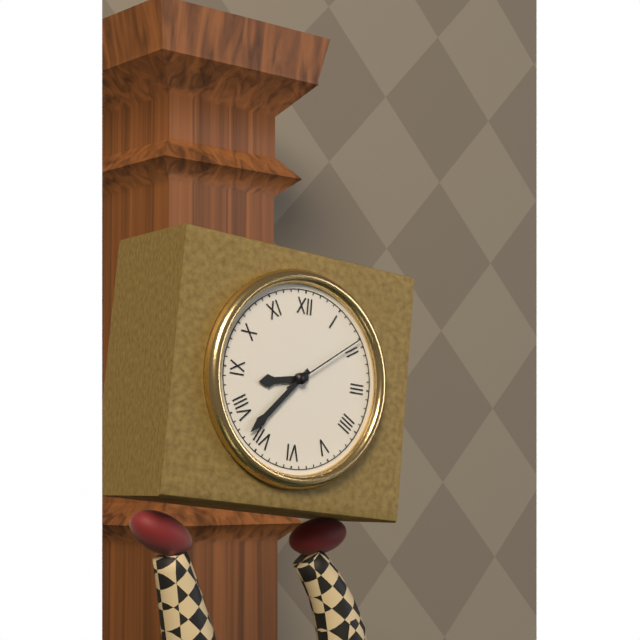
8:37:09
